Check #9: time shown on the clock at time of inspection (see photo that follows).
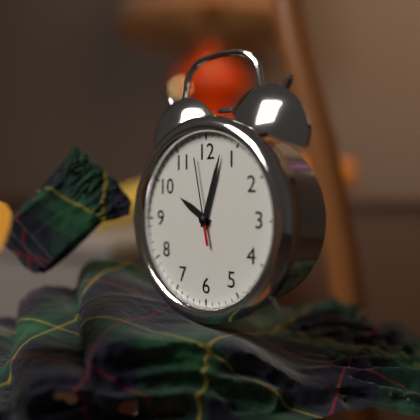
10:03:58
